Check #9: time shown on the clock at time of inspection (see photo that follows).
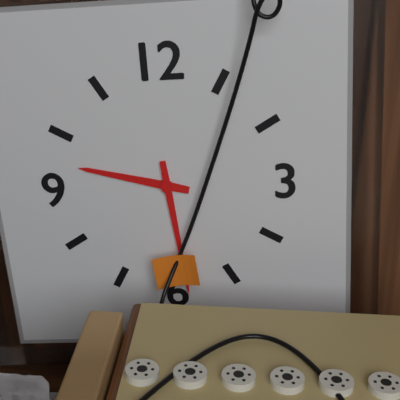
9:29
